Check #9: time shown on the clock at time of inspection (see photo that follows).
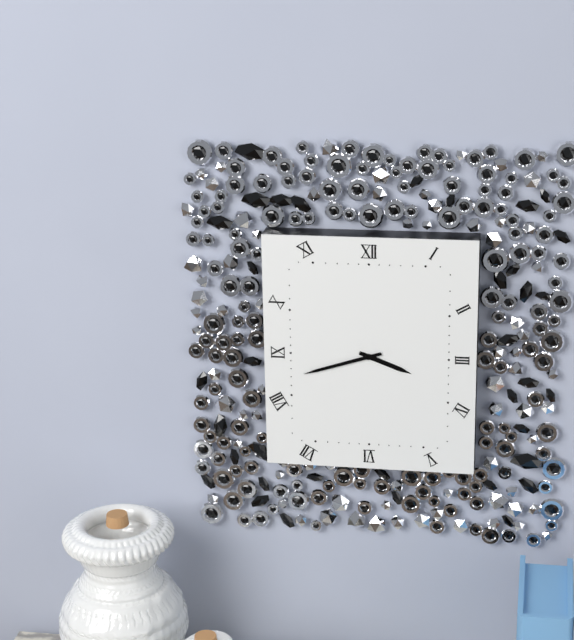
3:42
